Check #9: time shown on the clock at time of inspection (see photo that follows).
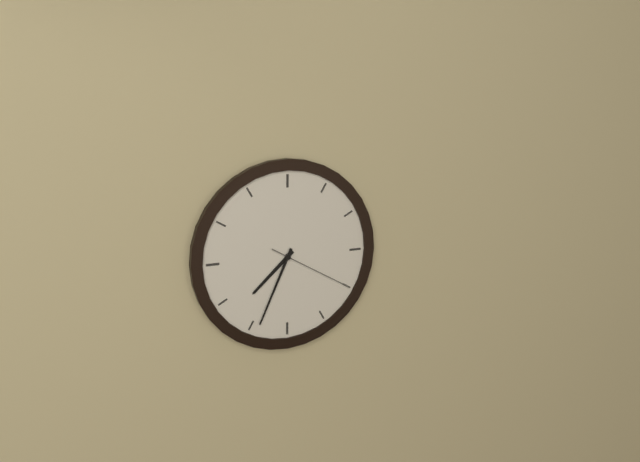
7:34:20
